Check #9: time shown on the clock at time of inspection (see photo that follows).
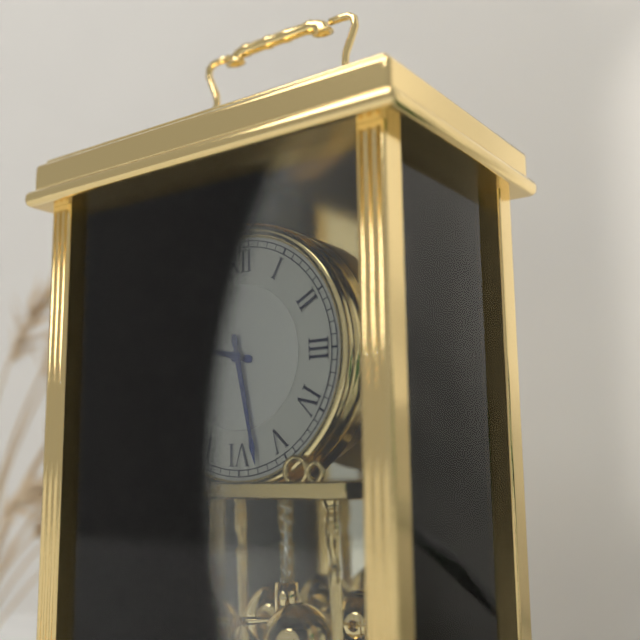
9:28
